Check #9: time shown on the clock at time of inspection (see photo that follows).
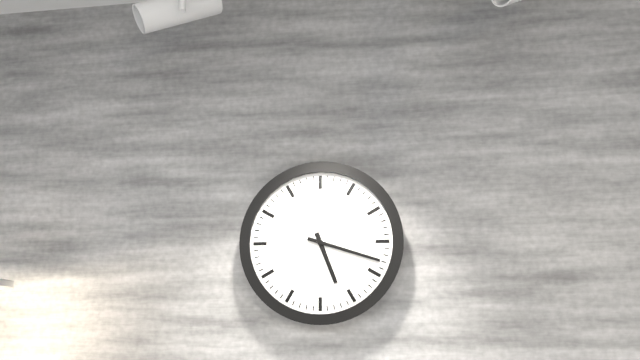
5:18
